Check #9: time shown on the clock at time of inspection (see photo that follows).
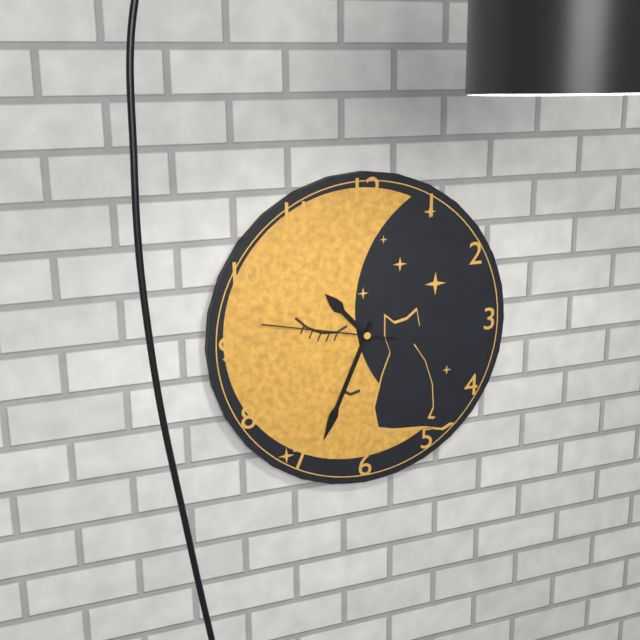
10:34:47
